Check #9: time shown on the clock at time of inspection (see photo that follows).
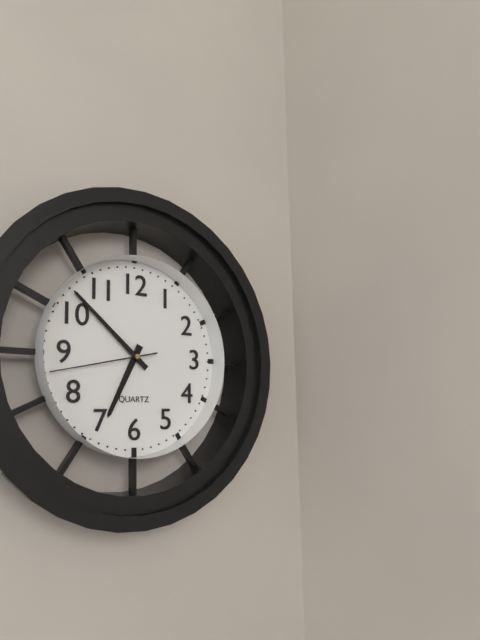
6:52:43
